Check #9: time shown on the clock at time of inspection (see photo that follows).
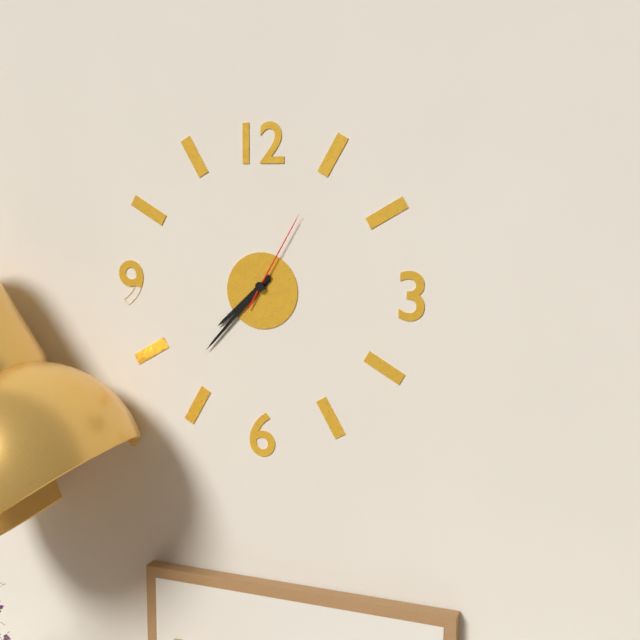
7:37:05
